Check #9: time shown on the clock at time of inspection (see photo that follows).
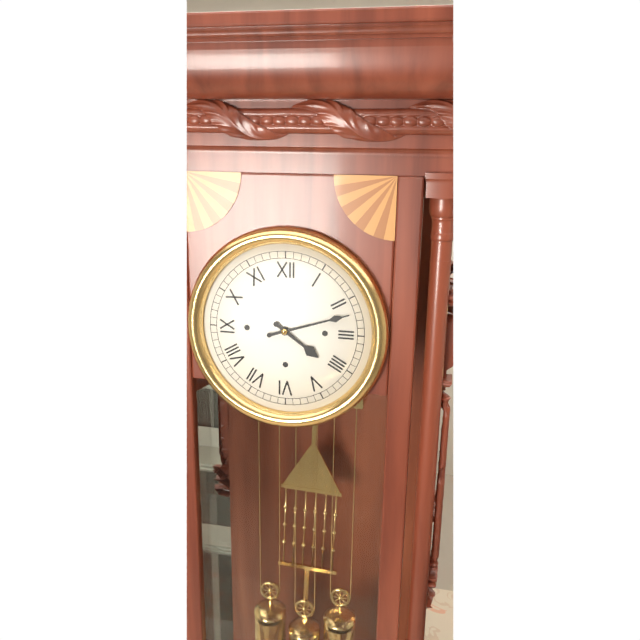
4:12
